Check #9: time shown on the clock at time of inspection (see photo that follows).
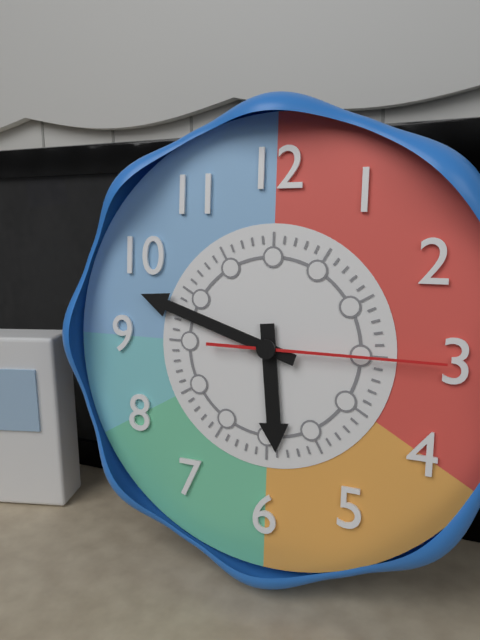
5:48:15
